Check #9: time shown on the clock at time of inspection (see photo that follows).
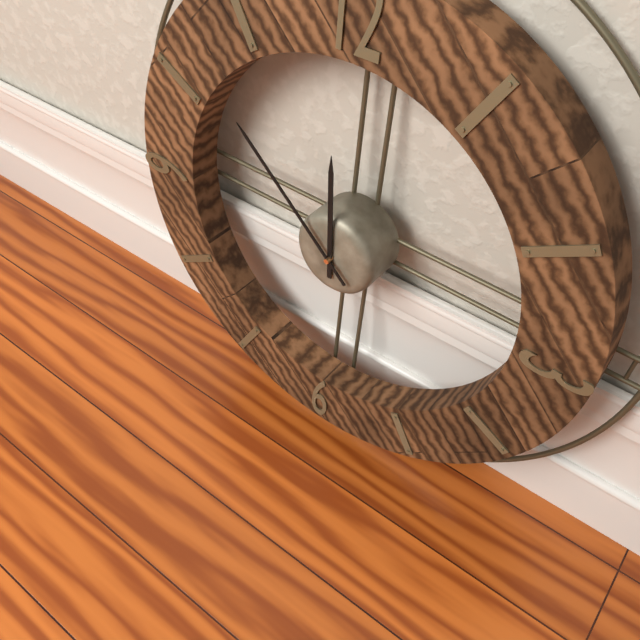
11:52
